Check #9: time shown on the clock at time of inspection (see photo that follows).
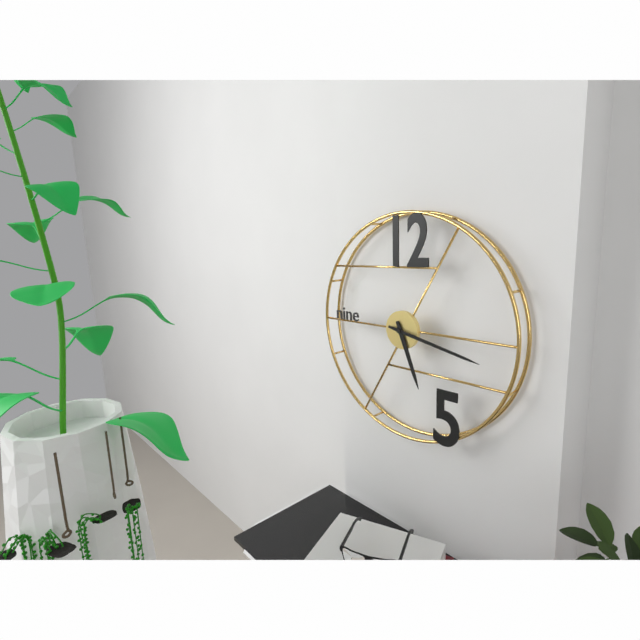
5:17
